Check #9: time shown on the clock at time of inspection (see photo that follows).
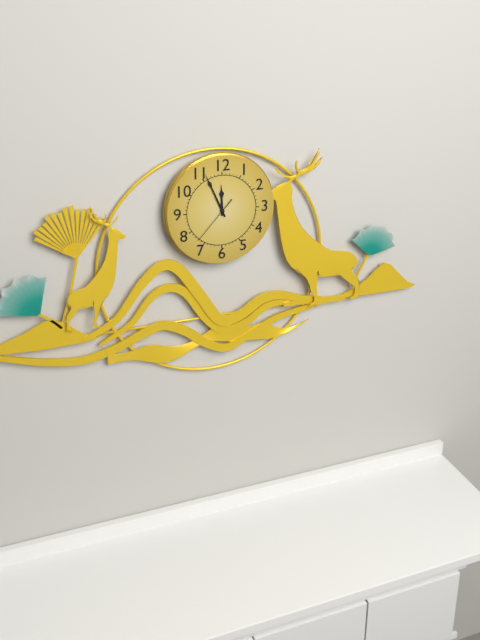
11:56
